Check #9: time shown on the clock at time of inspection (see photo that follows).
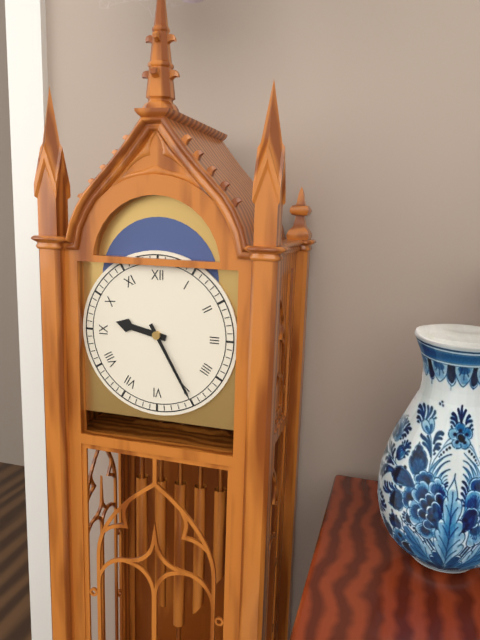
9:25
